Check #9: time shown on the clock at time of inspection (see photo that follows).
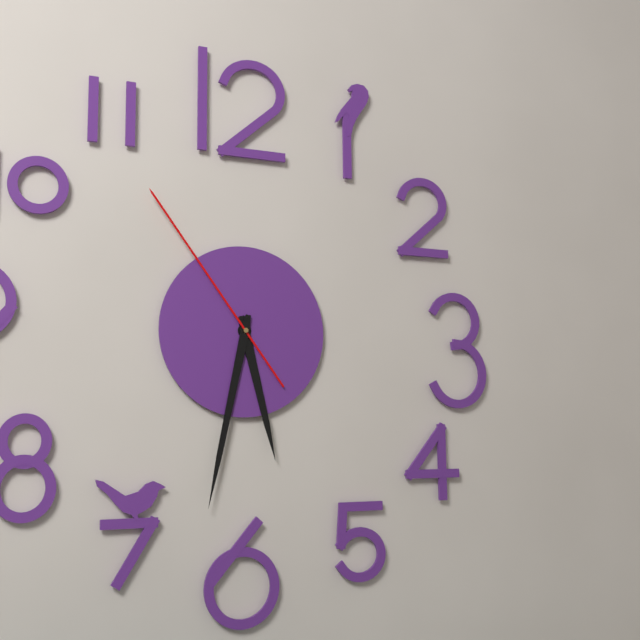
5:32:54
